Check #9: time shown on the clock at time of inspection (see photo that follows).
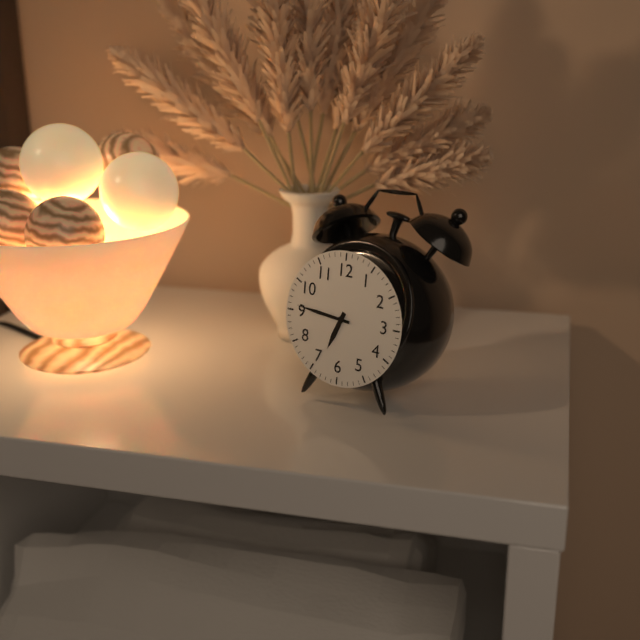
6:46
